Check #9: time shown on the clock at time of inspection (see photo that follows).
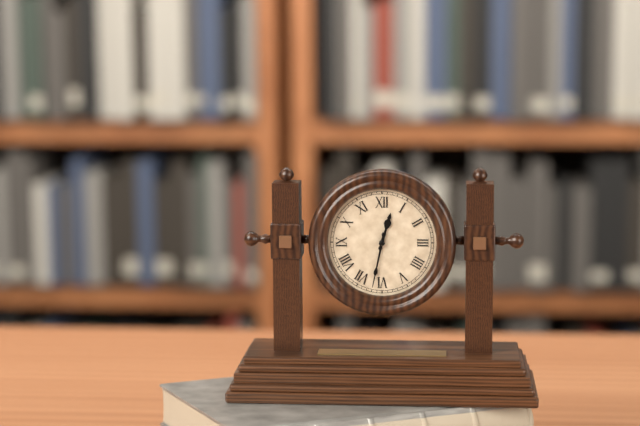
12:32
